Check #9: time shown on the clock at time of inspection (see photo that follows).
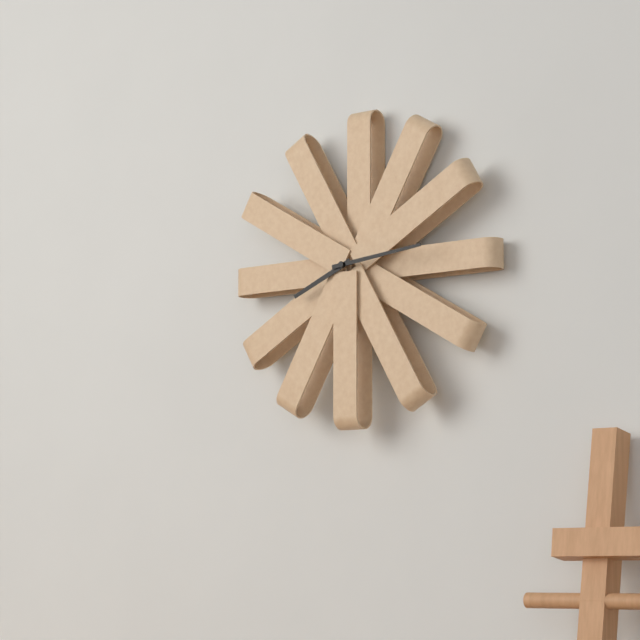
8:14
